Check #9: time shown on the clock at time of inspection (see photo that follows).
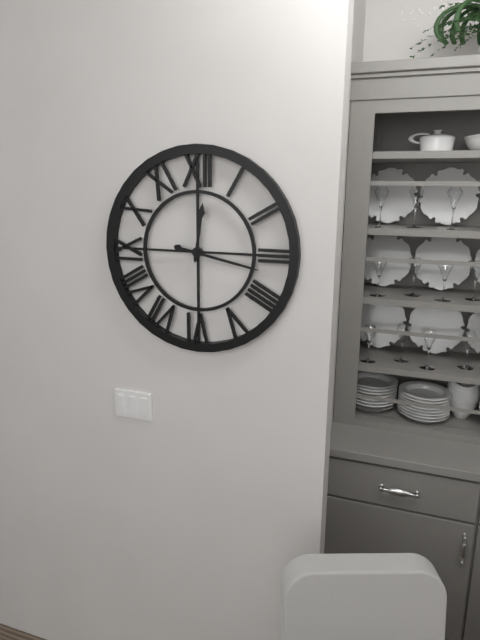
12:17
